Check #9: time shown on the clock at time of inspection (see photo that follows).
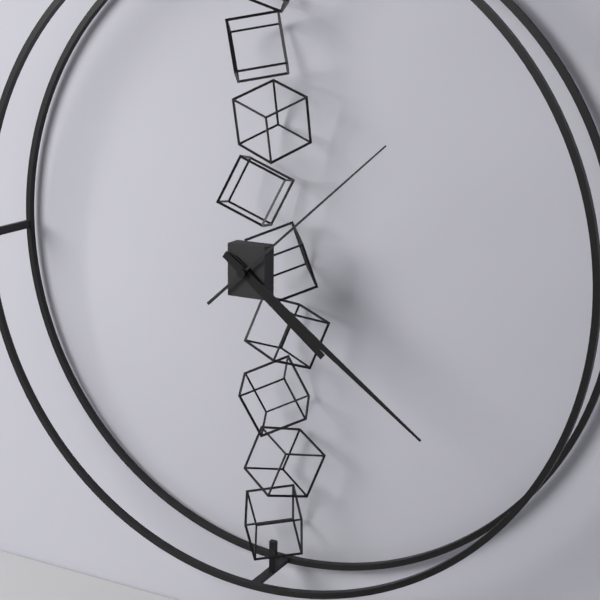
4:21:08
